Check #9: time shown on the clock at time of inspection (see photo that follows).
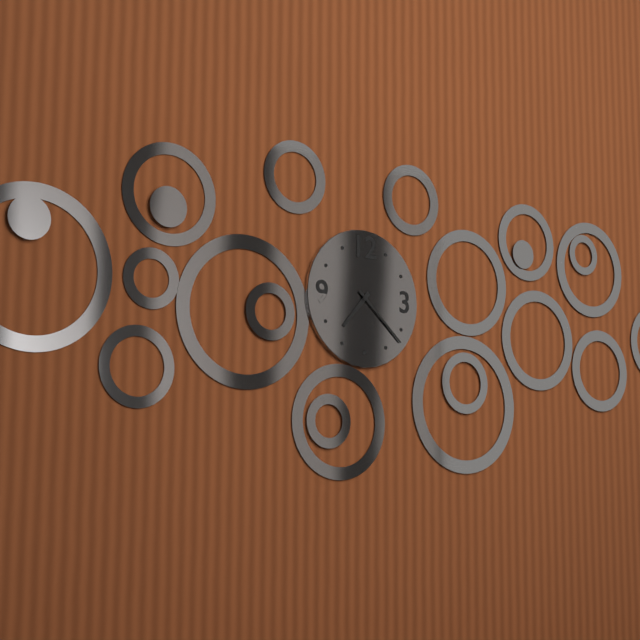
7:22
